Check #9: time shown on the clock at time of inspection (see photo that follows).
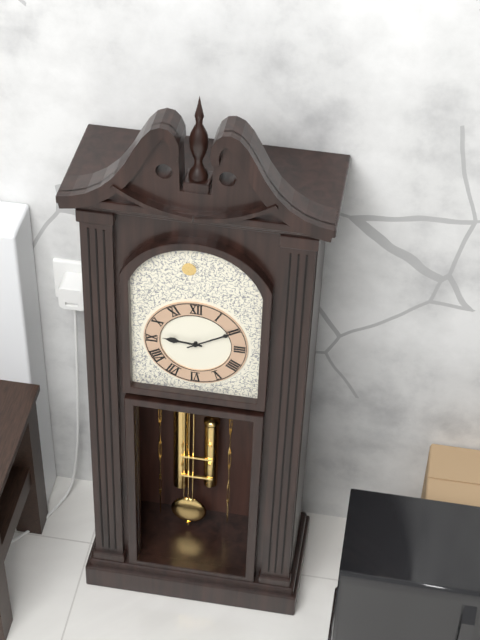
9:10
